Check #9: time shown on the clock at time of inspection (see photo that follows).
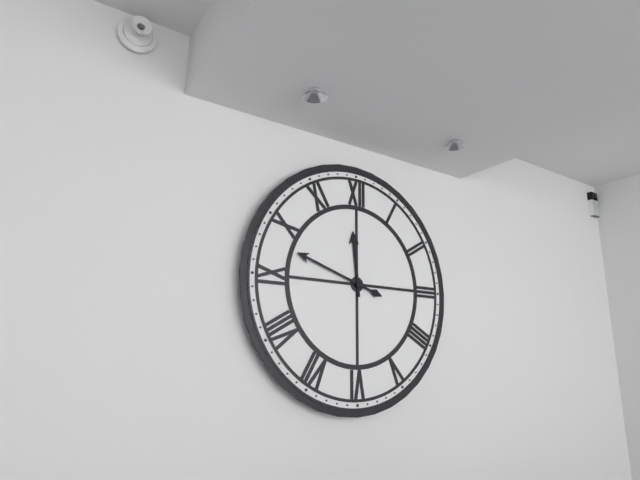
11:48
